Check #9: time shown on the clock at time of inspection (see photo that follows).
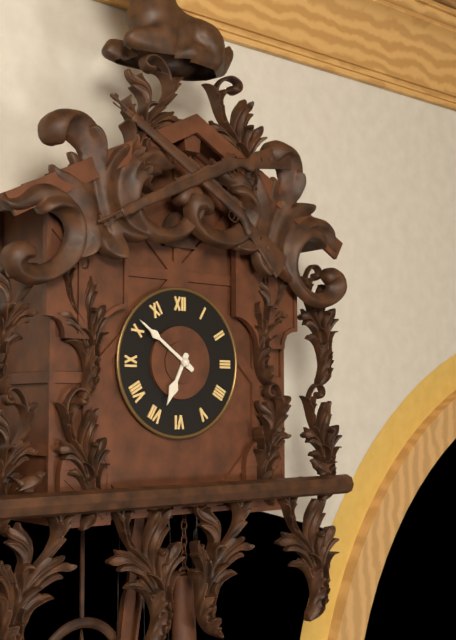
6:51
